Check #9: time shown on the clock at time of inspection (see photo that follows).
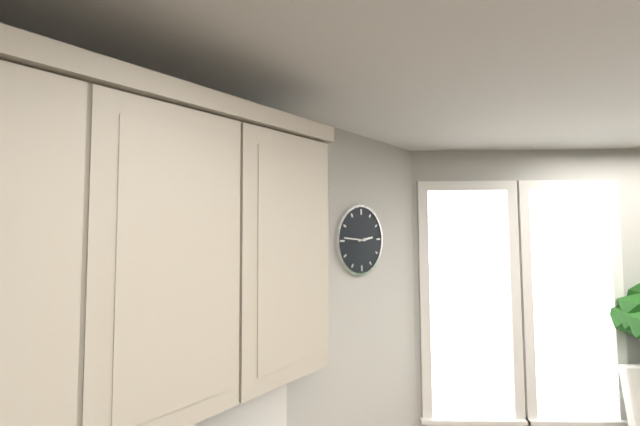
2:46
